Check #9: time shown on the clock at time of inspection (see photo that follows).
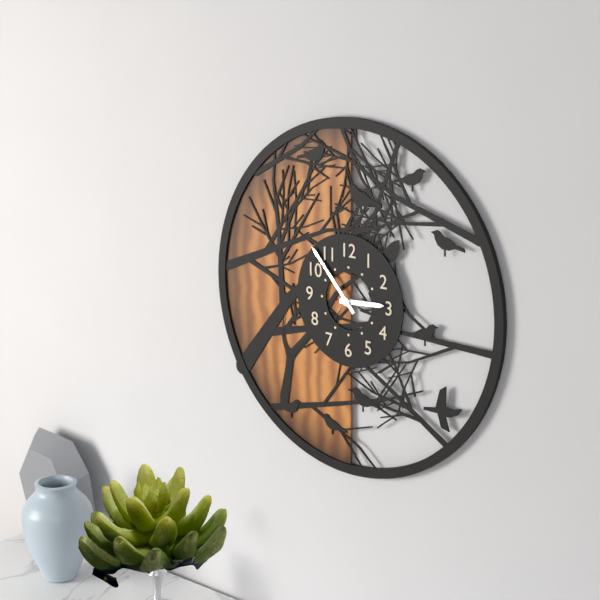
2:53
